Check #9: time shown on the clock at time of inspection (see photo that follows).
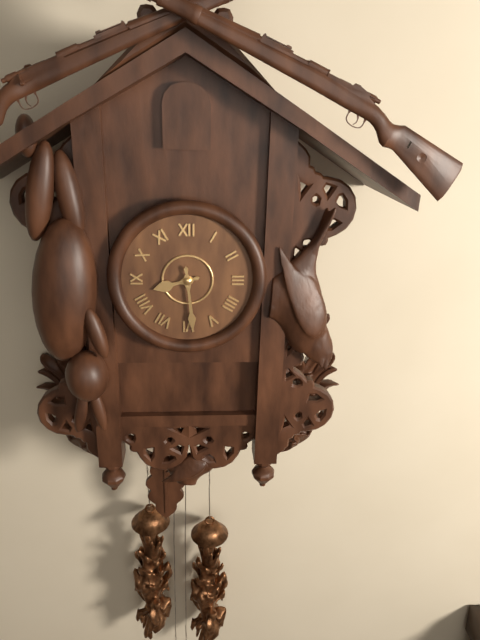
8:29
